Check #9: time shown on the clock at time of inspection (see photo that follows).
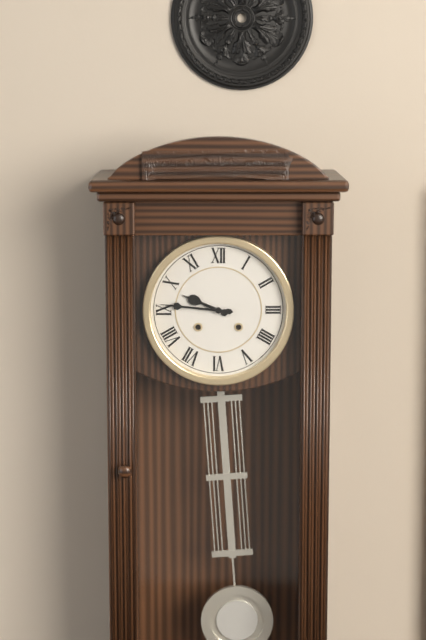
9:46
